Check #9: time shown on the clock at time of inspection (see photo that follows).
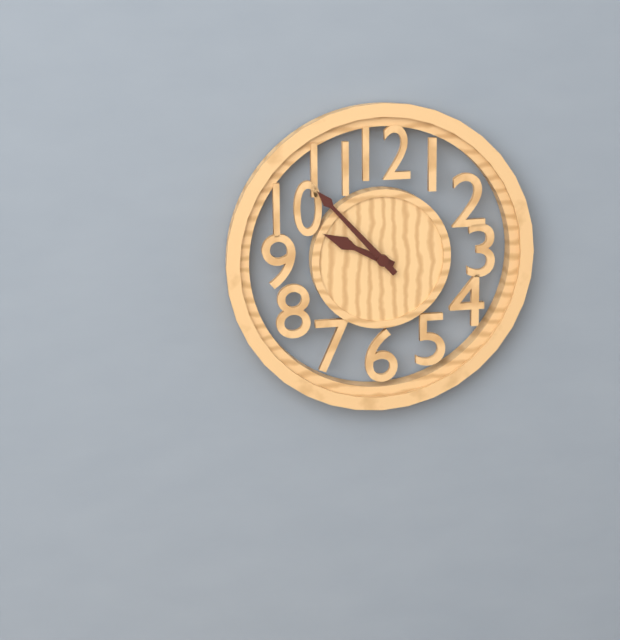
9:53
